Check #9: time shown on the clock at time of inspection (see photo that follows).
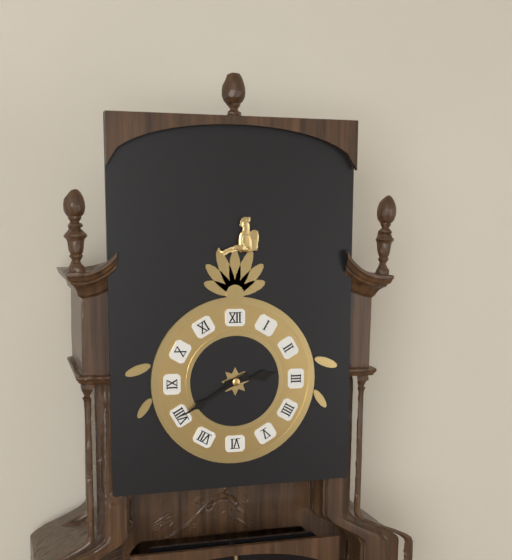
2:40
